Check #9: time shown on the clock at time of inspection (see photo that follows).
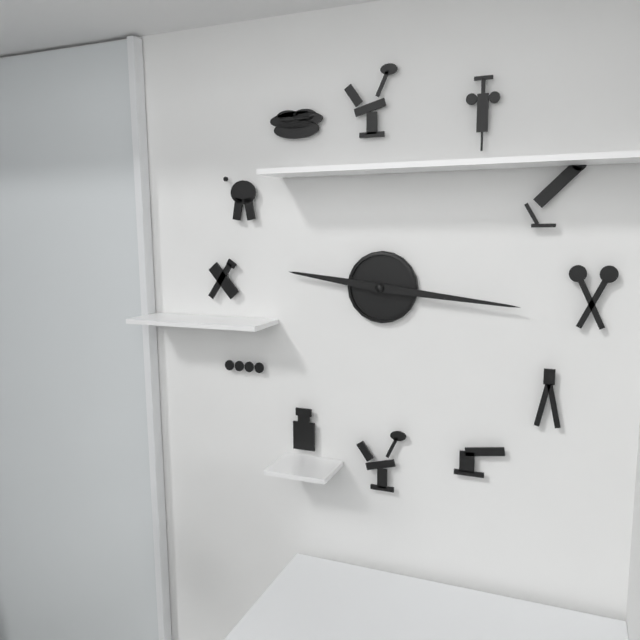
9:16
